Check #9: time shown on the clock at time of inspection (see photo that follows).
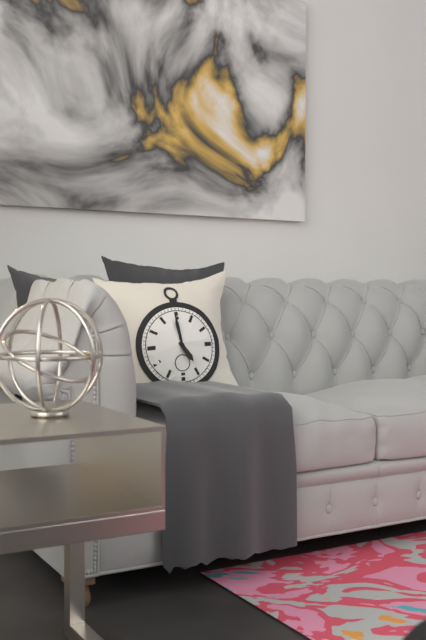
4:59
